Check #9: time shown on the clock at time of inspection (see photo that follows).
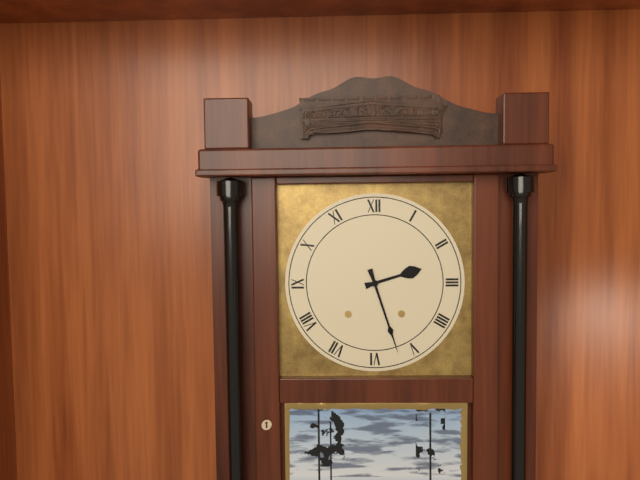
2:27
